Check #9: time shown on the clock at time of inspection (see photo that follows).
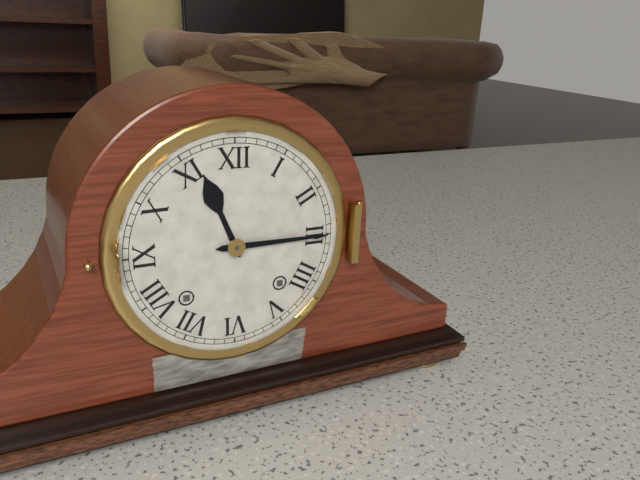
11:15
